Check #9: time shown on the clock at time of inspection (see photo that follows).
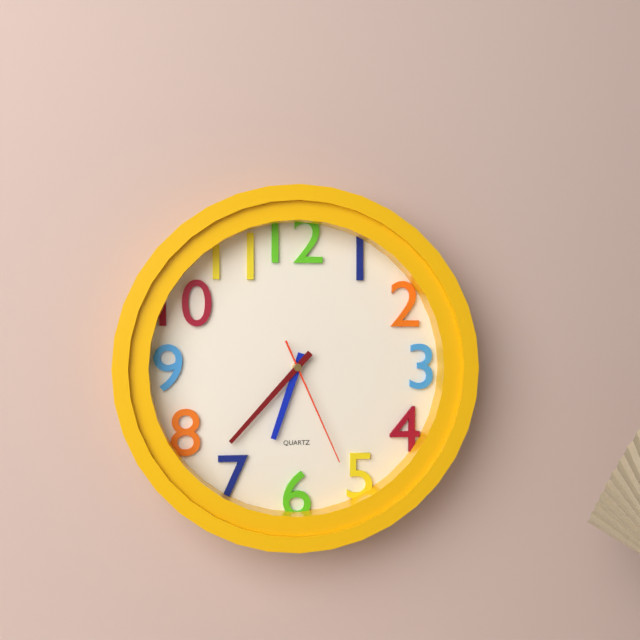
6:37:26
